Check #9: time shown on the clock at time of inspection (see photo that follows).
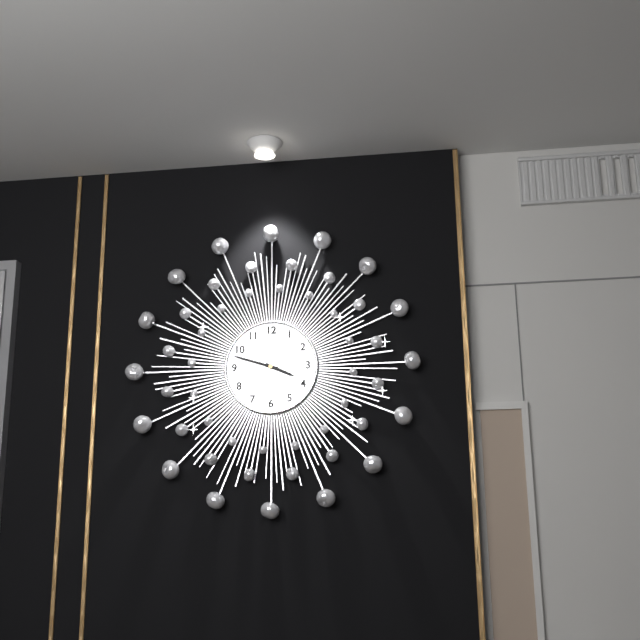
3:48
